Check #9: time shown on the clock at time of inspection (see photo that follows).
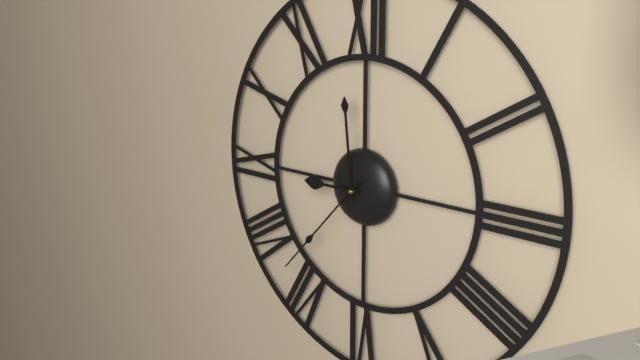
8:59:37
